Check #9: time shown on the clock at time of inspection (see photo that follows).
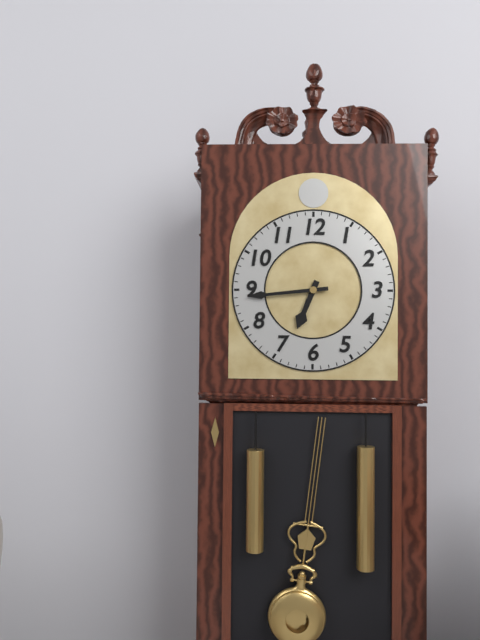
6:44
